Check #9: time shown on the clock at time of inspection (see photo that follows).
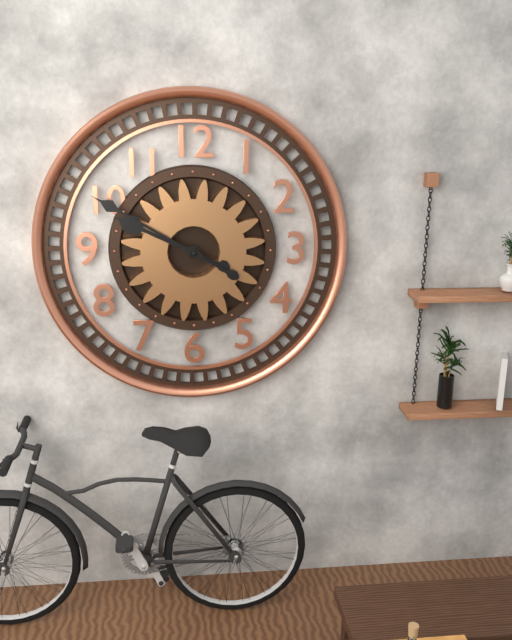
9:50
